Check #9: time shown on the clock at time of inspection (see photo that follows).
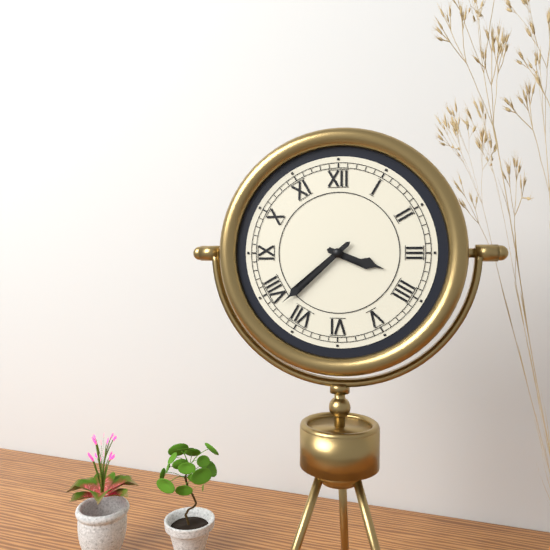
3:38
